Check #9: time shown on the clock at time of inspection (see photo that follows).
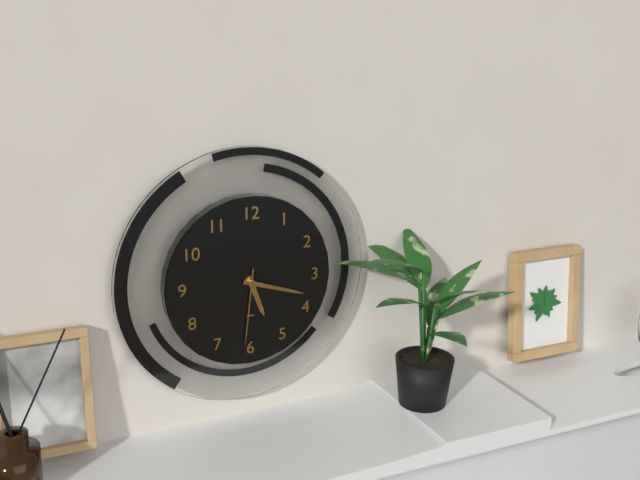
5:18:31
